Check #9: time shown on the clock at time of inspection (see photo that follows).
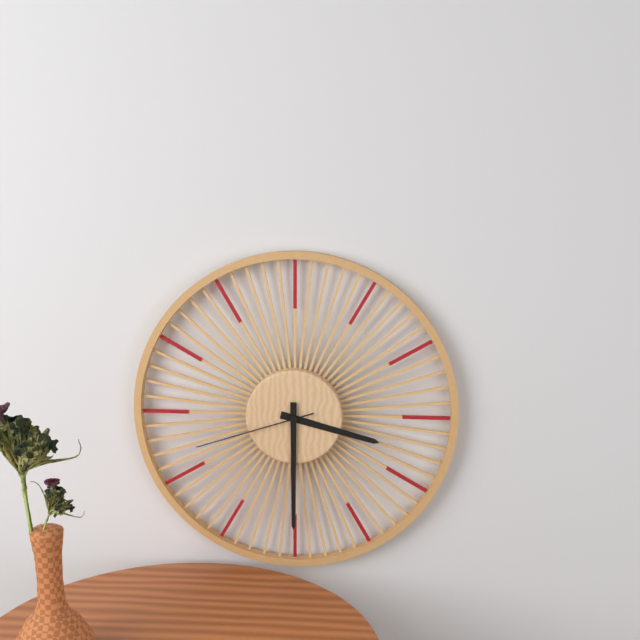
3:30:42
